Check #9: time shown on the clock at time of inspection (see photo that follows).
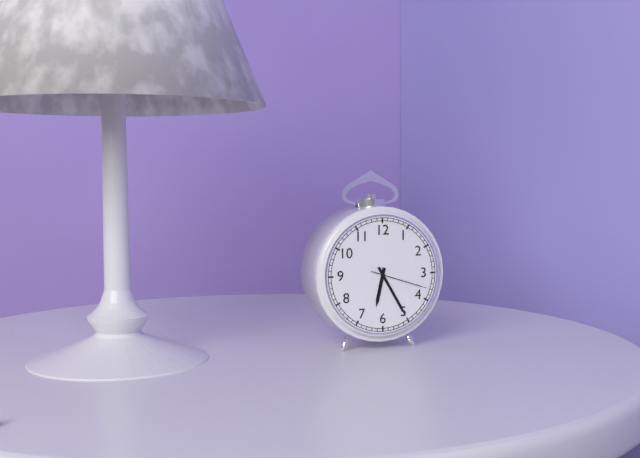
6:25:18
